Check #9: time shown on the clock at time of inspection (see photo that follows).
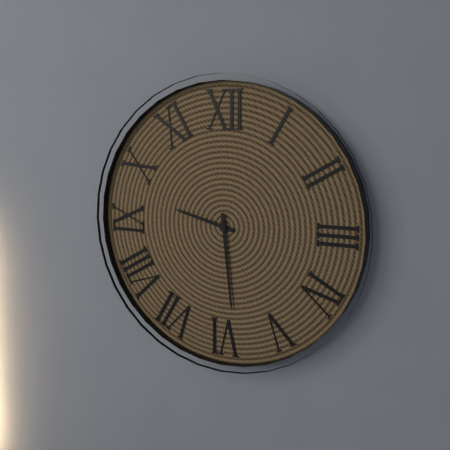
9:29
